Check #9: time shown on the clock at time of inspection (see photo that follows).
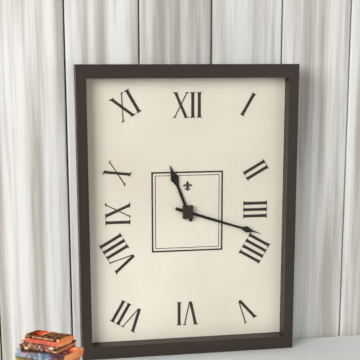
11:18
